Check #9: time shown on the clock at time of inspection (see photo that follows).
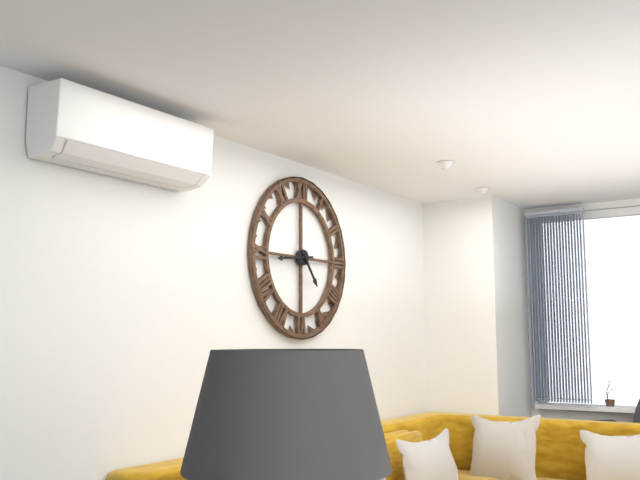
4:44
